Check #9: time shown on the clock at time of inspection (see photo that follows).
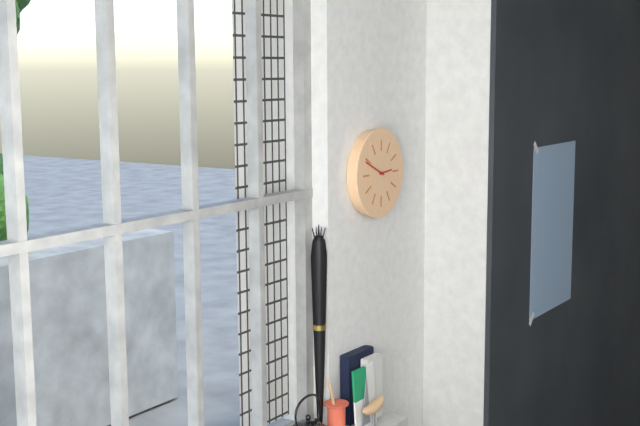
2:49
